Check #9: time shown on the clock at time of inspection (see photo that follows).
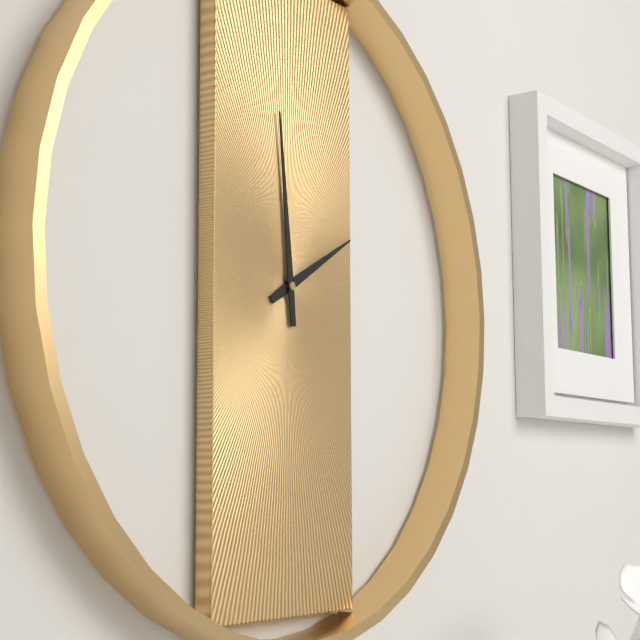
1:59
